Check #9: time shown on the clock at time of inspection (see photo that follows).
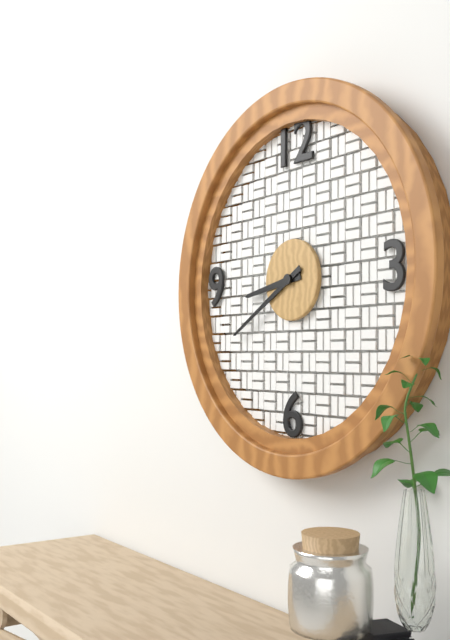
8:40
